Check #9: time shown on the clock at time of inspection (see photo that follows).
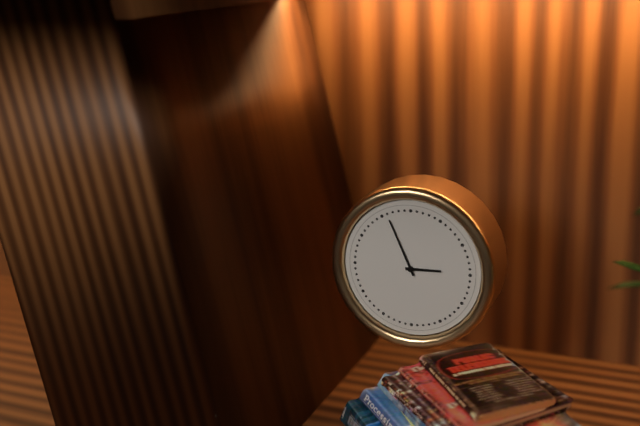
2:56
